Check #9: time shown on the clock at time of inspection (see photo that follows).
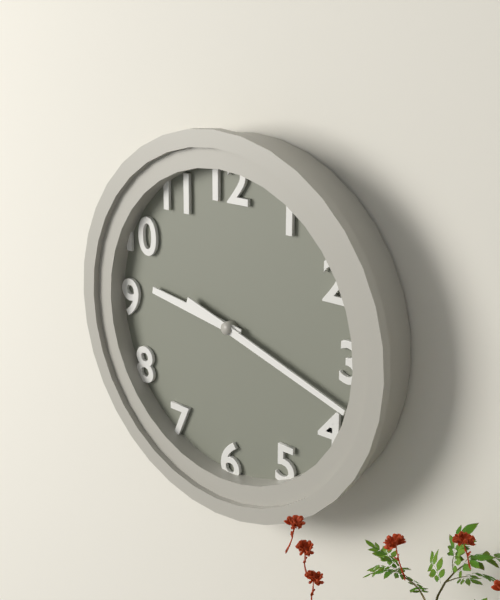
9:18
